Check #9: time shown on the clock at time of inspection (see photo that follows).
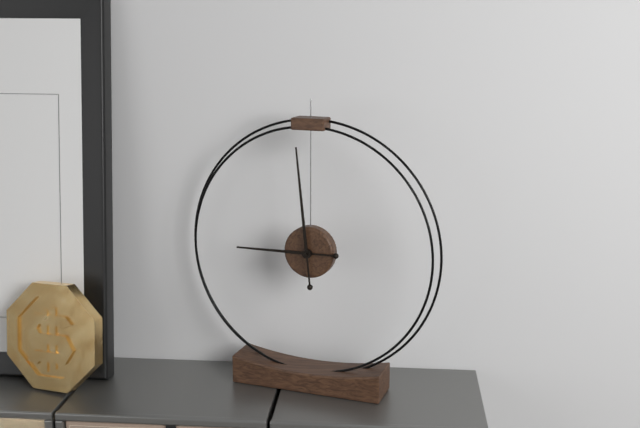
8:59
